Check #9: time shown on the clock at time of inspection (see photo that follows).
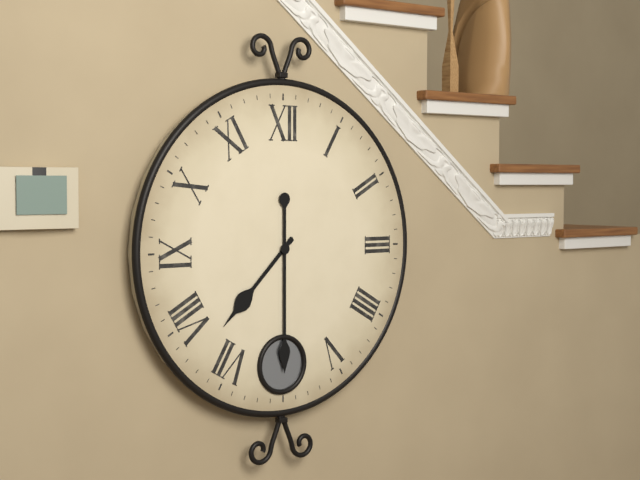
7:30
